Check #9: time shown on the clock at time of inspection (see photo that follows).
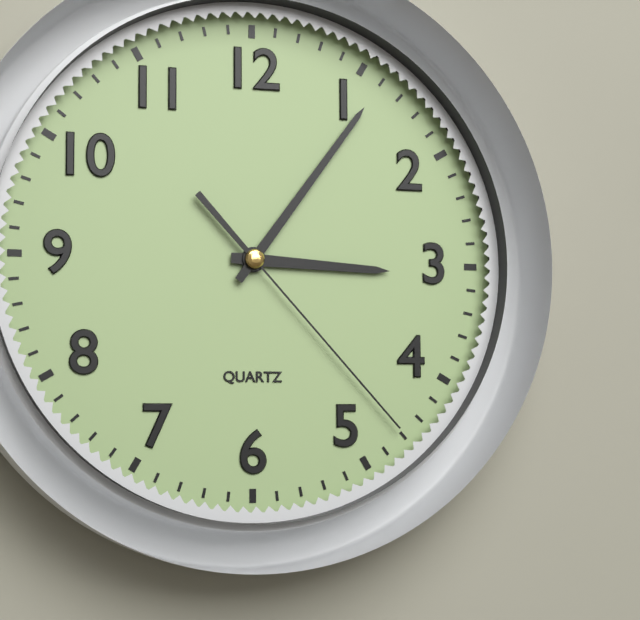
3:06:23
